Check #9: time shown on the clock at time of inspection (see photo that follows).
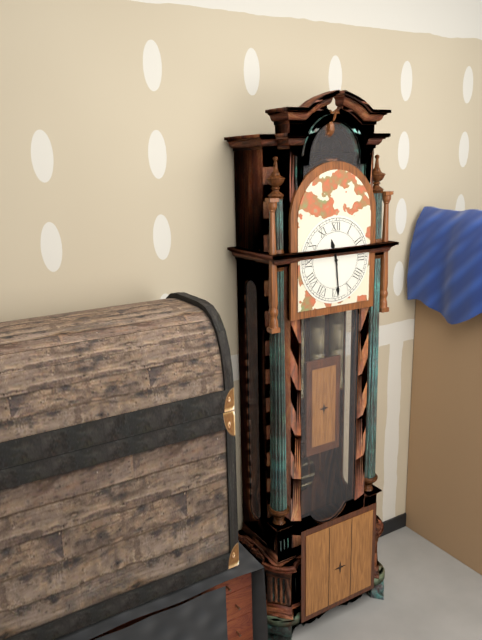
11:29
